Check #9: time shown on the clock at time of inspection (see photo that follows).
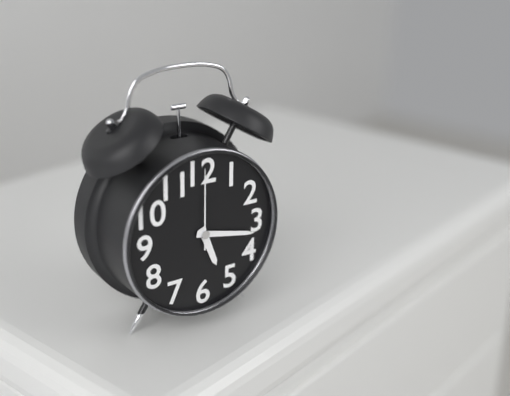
5:17:00
